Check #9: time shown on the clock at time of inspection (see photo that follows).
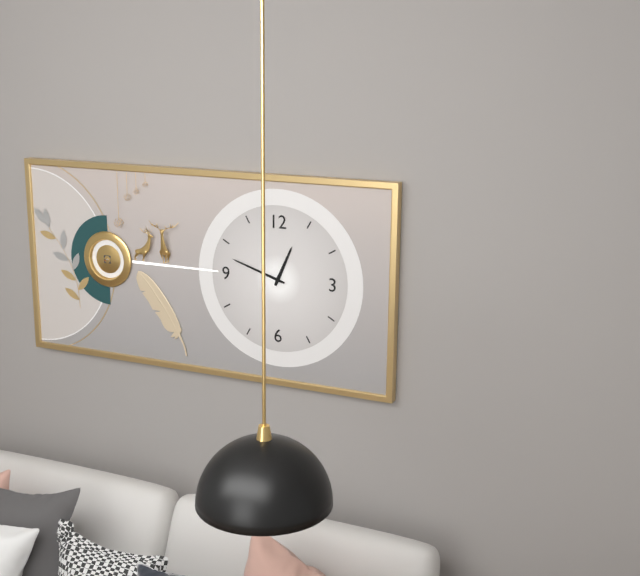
12:48
